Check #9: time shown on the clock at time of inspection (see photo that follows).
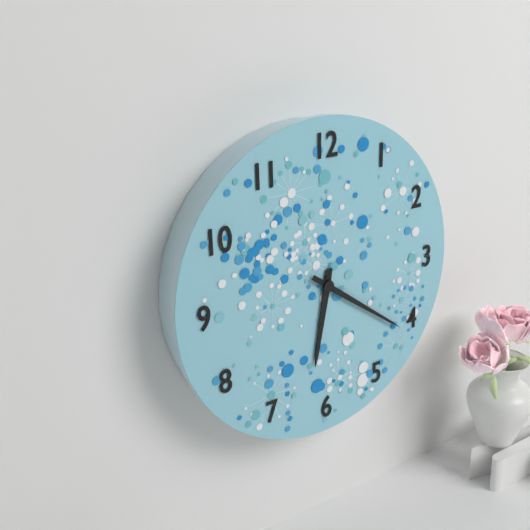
6:21
